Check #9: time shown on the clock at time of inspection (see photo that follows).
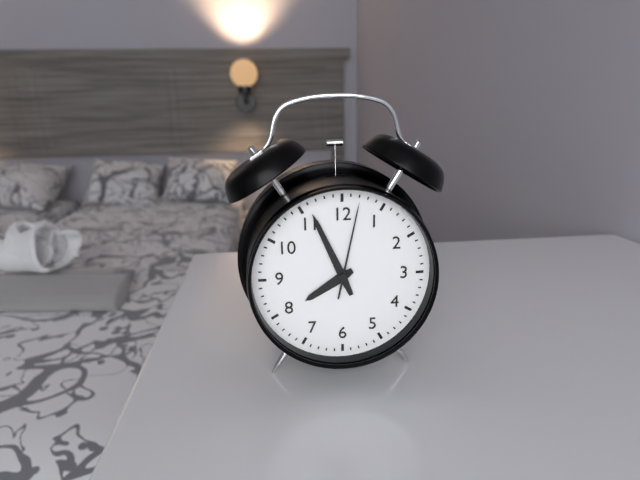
7:56:02
